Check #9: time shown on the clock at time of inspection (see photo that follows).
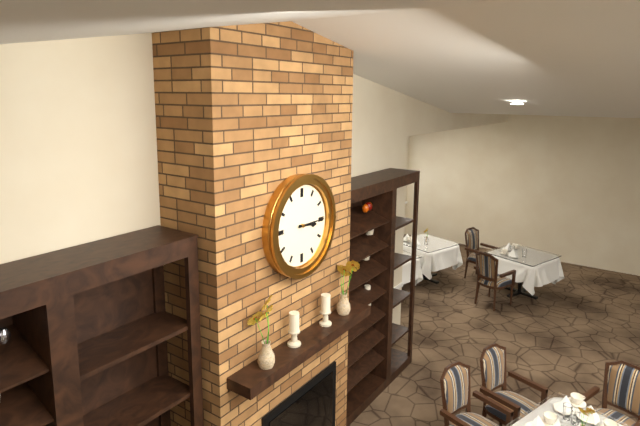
3:15
